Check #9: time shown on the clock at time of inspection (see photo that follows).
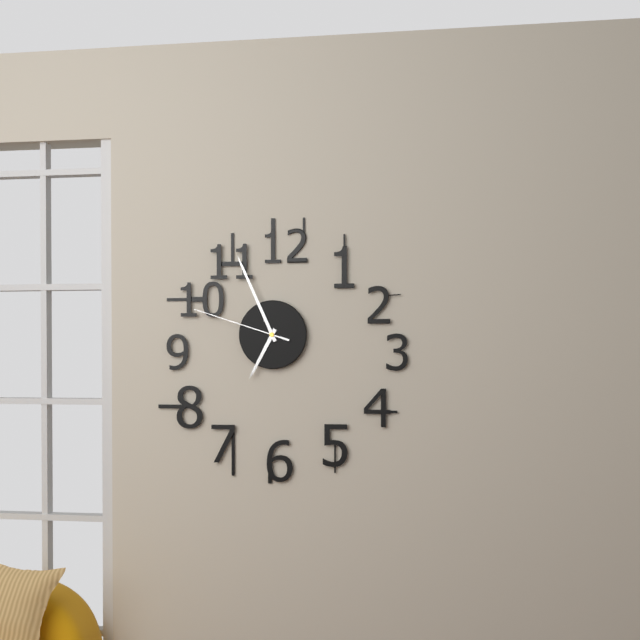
6:56:48
